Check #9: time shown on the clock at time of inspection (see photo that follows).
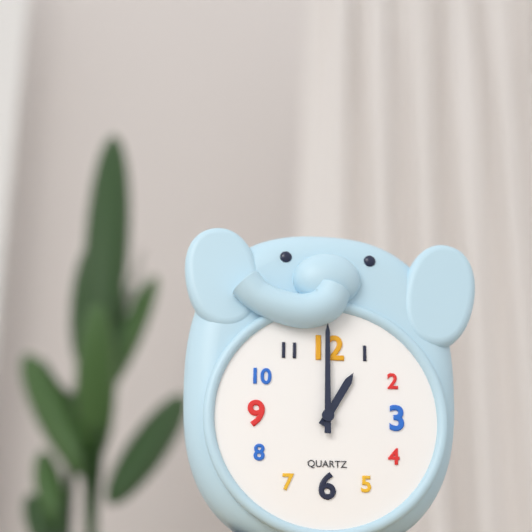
1:00
